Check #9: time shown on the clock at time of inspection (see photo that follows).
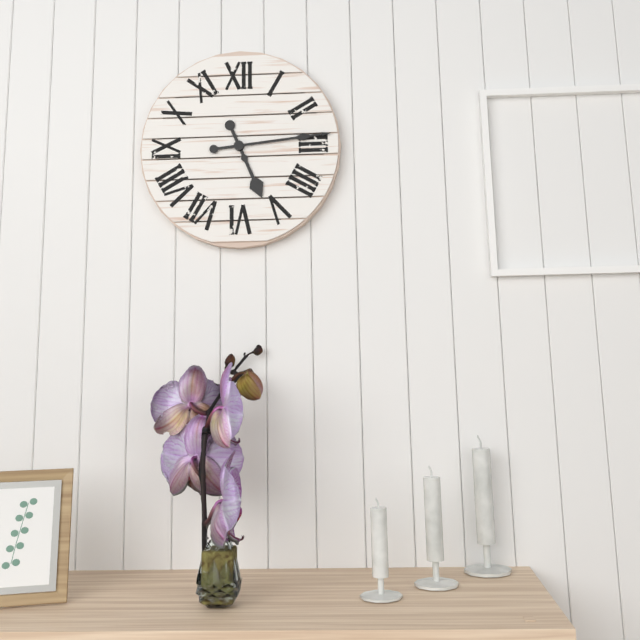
5:14
